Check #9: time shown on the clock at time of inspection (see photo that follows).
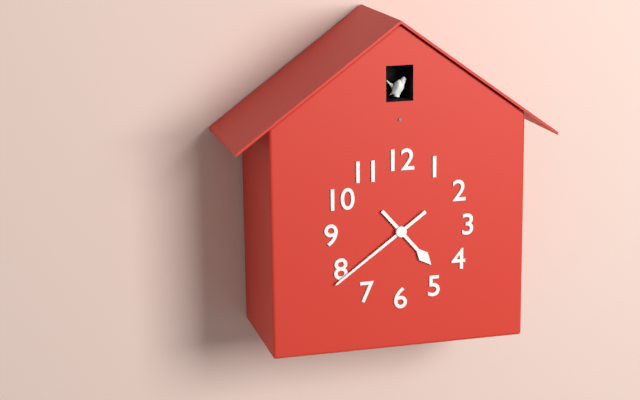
4:39
